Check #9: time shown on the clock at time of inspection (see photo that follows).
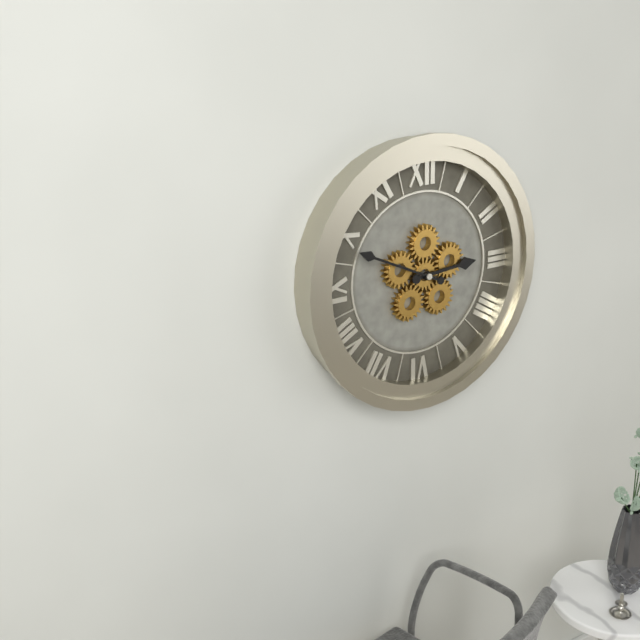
2:49
